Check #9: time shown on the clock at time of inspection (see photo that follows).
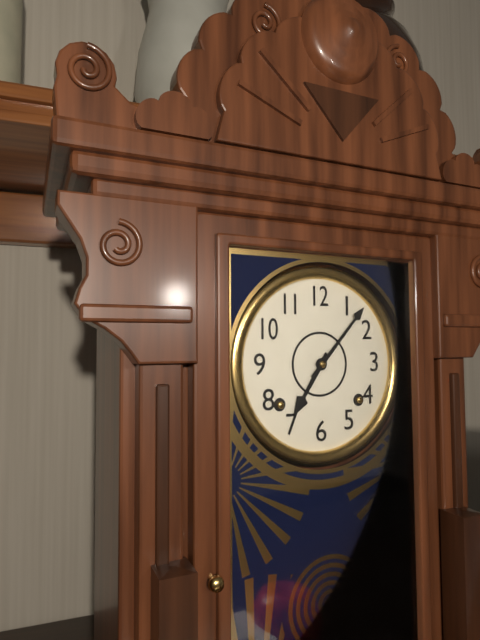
7:07
